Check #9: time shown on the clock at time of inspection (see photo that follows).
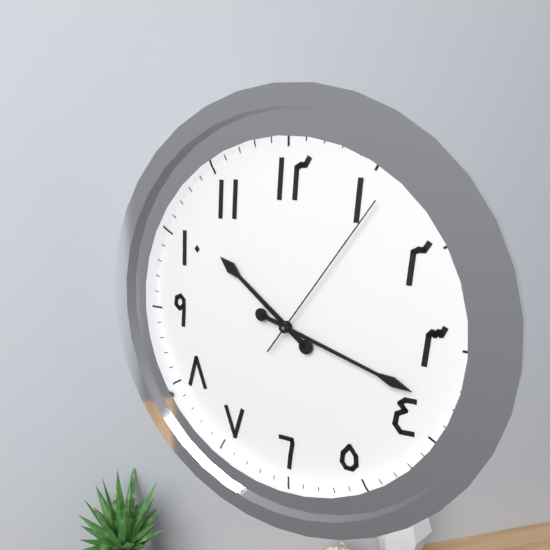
10:18:06
